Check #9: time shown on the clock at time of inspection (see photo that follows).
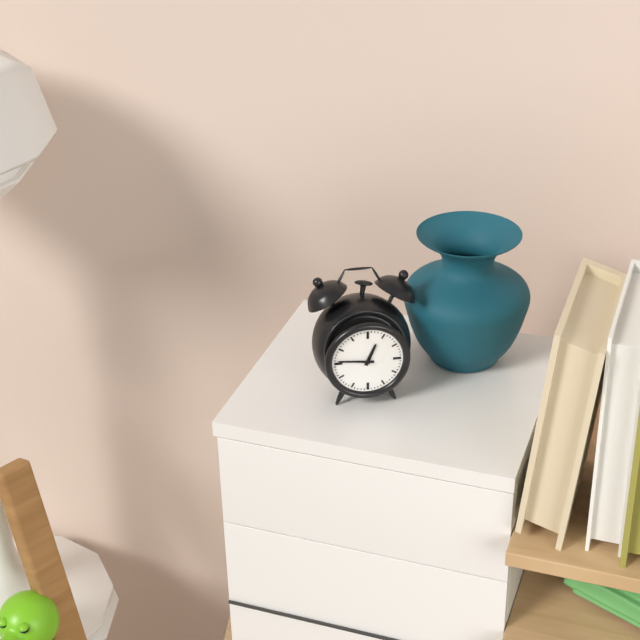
12:46
